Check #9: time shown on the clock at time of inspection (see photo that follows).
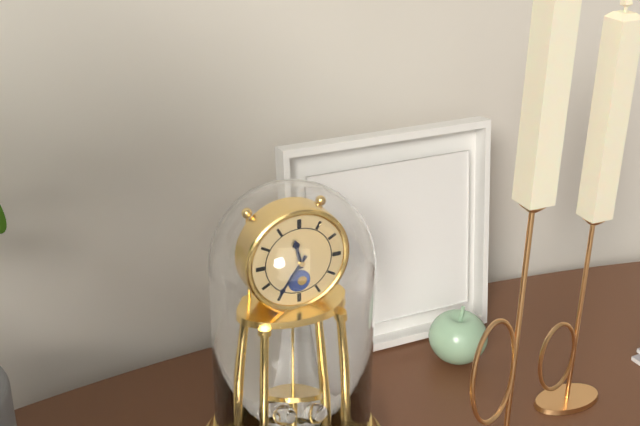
11:36
